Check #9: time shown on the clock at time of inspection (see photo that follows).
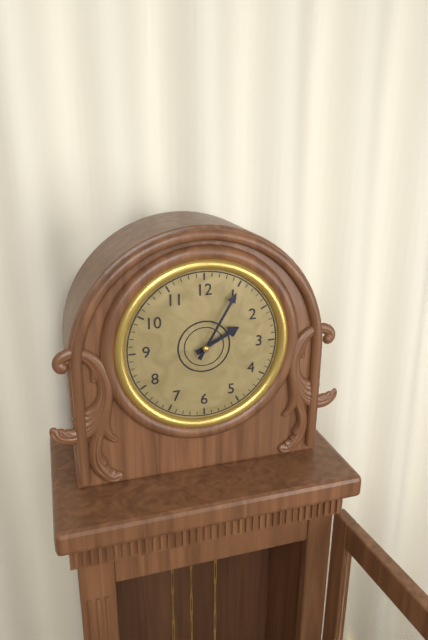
2:05
